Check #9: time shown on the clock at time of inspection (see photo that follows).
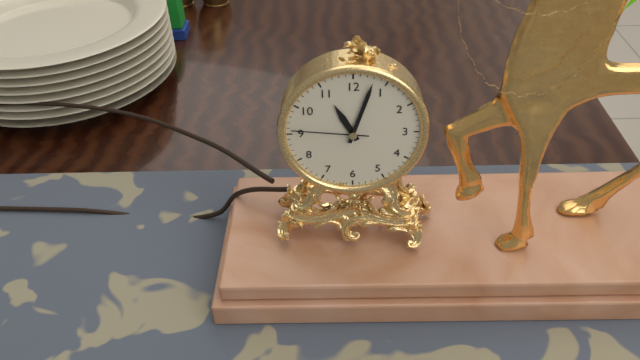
11:03:46
